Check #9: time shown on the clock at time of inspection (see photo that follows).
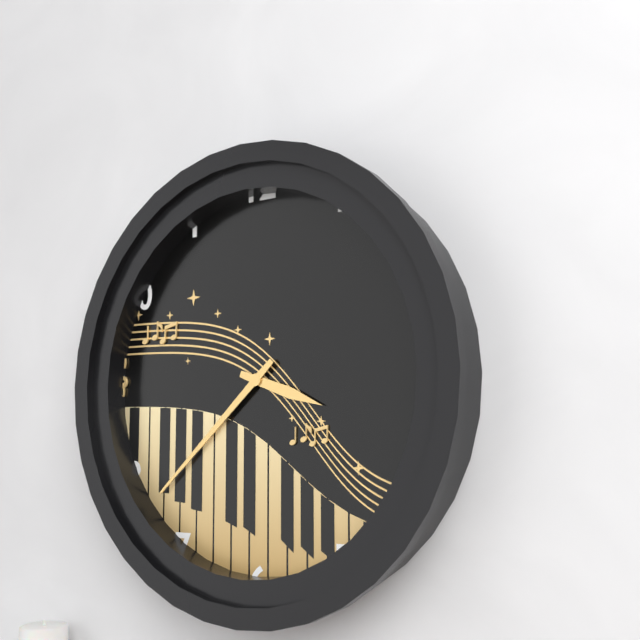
3:38
